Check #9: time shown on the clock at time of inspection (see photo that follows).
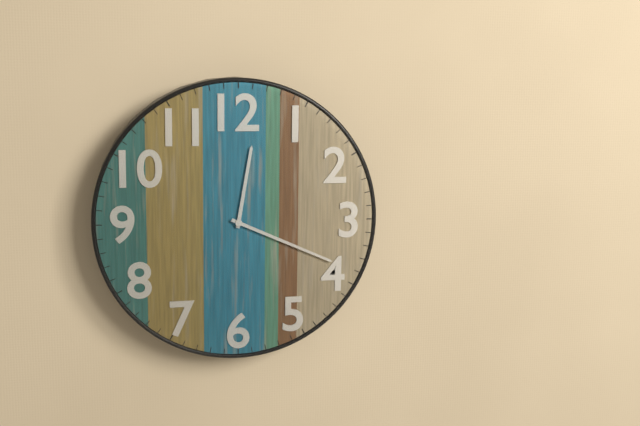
12:19
